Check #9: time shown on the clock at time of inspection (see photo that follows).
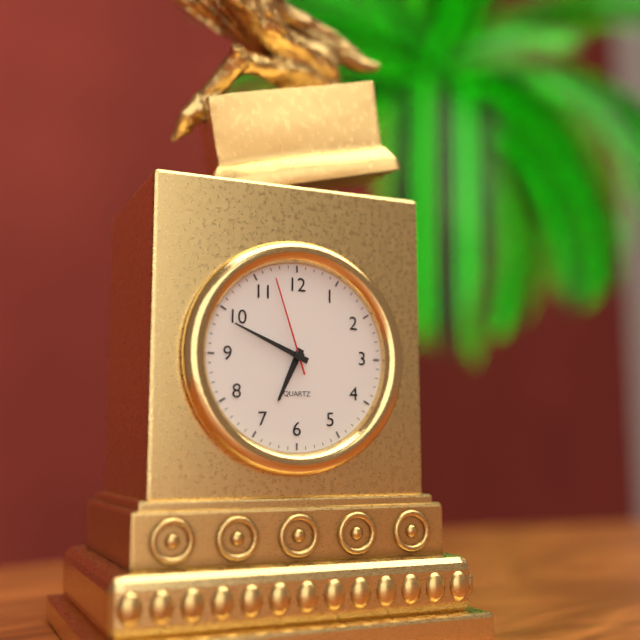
6:49:57
